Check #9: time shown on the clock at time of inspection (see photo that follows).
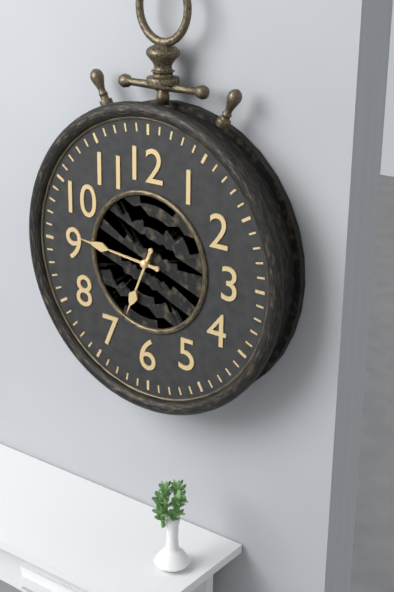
6:46
